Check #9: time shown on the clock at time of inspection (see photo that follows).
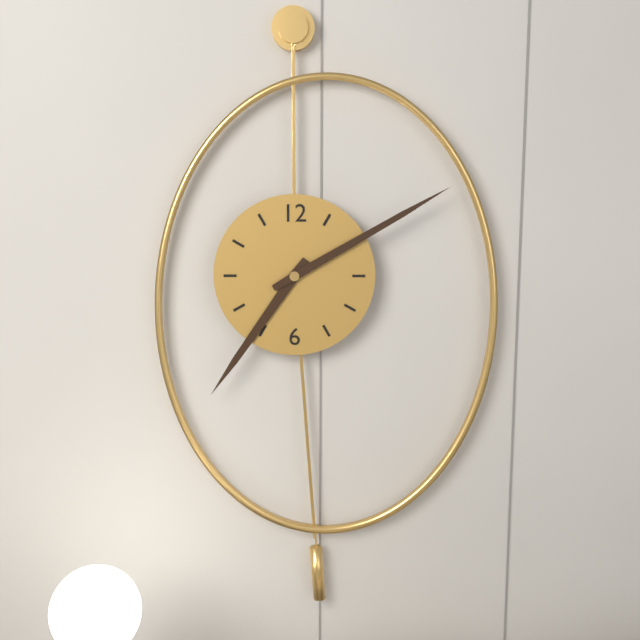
7:10
